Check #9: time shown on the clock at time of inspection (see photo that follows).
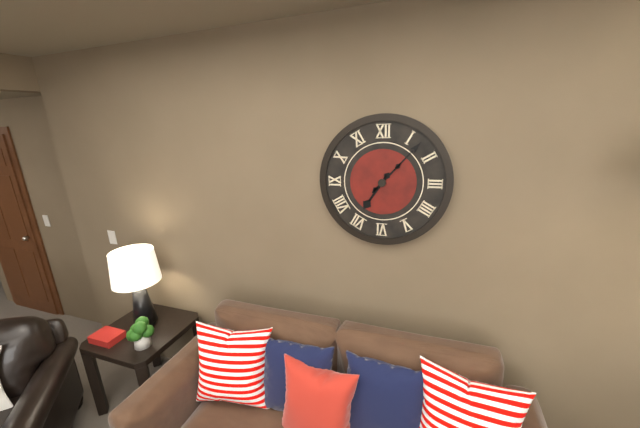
7:07
